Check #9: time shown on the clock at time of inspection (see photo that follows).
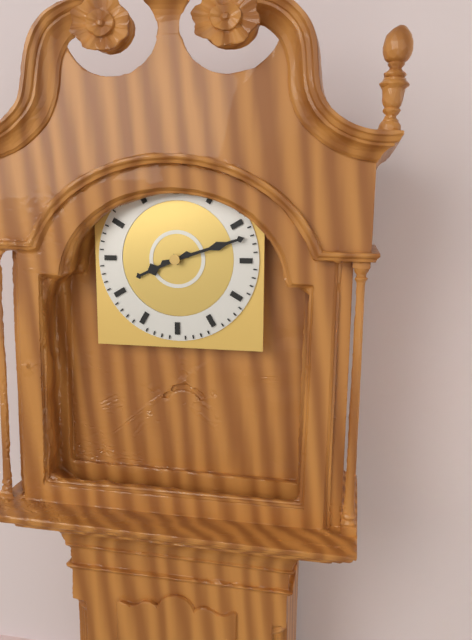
8:12
